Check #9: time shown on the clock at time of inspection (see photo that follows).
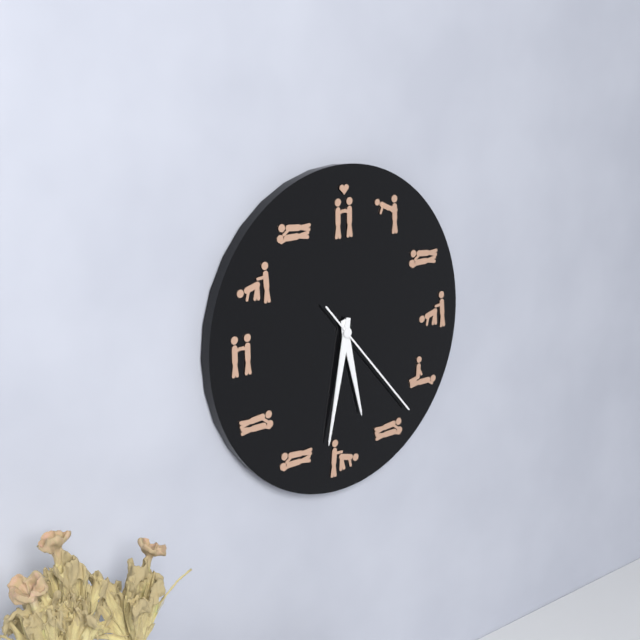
5:32:23
